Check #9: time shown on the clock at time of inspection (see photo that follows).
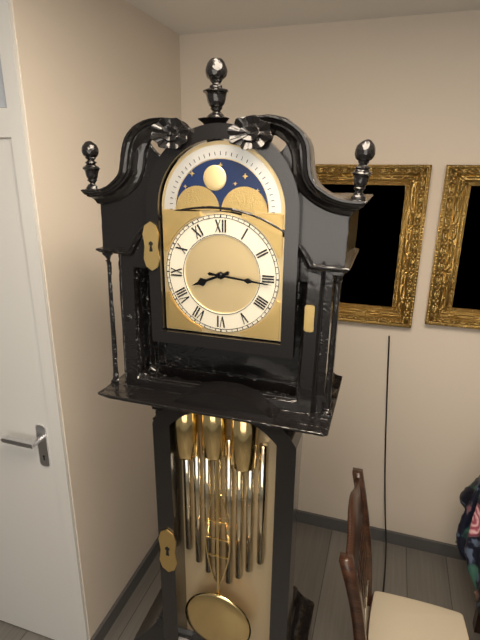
8:16
